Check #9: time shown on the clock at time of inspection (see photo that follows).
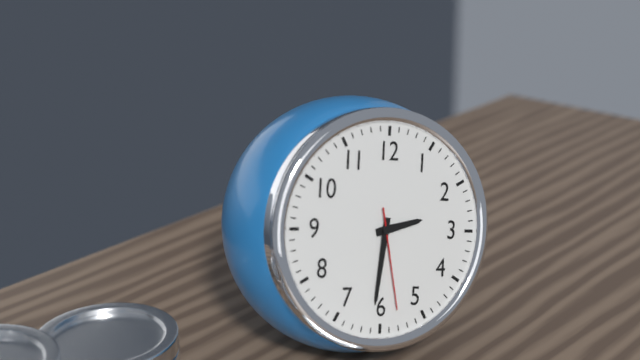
2:31:28
